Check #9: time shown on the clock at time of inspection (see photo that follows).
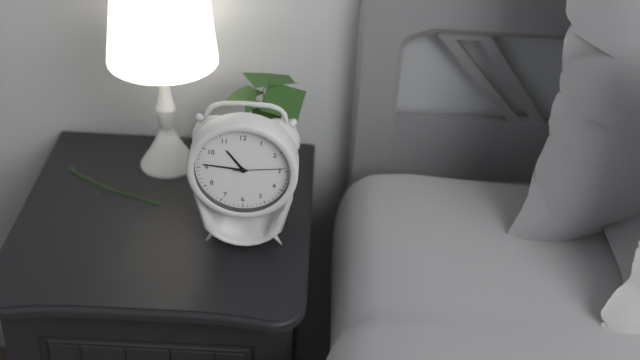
10:46:14
